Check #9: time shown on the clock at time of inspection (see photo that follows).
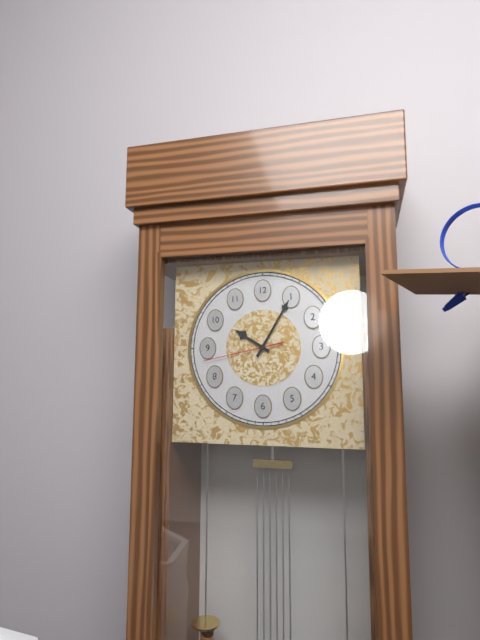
10:05:43
